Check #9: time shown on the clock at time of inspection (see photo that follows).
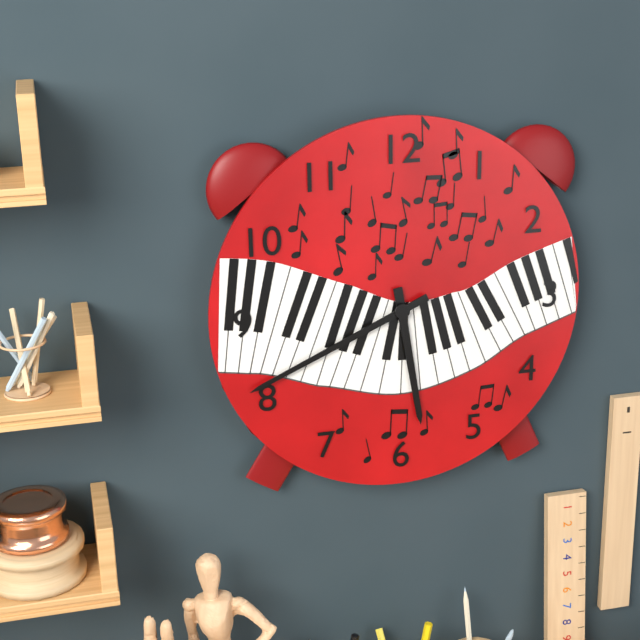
5:41
